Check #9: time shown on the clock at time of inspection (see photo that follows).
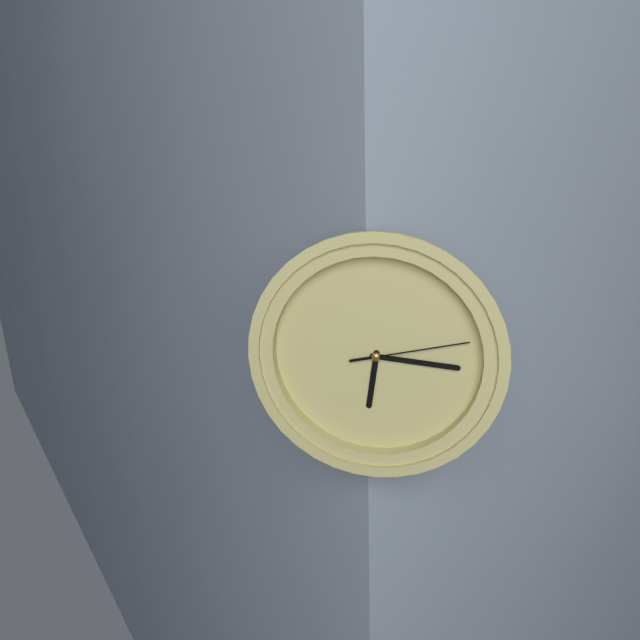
6:16:13
